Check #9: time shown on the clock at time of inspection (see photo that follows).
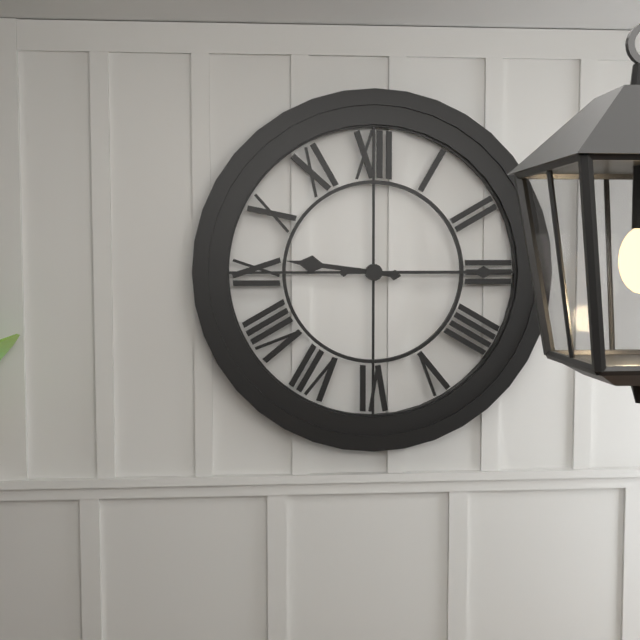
9:15
